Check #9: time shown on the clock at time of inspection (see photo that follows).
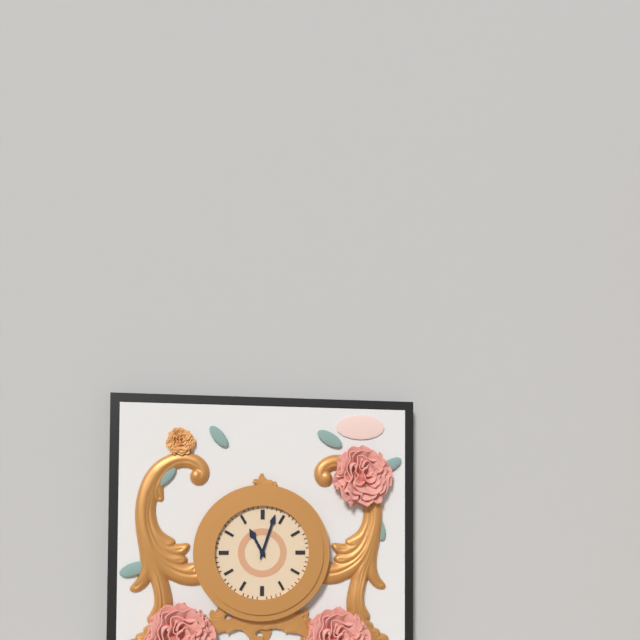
11:03
